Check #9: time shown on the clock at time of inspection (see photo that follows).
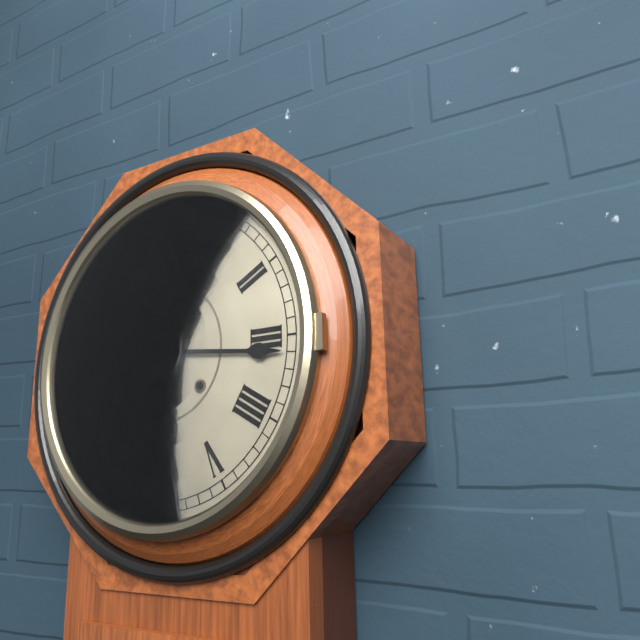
6:16
